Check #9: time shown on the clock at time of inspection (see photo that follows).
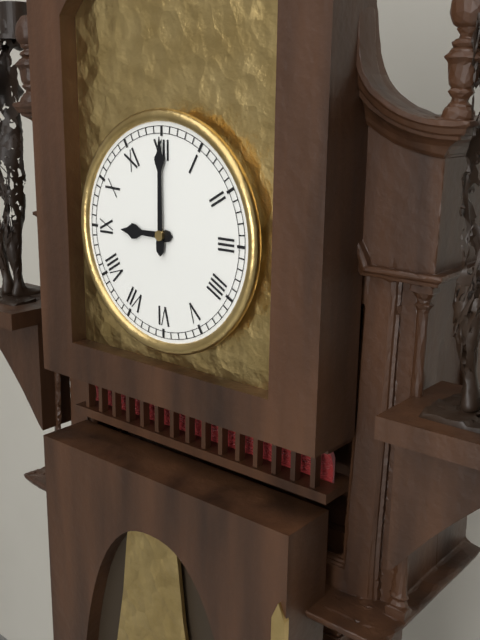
9:00
